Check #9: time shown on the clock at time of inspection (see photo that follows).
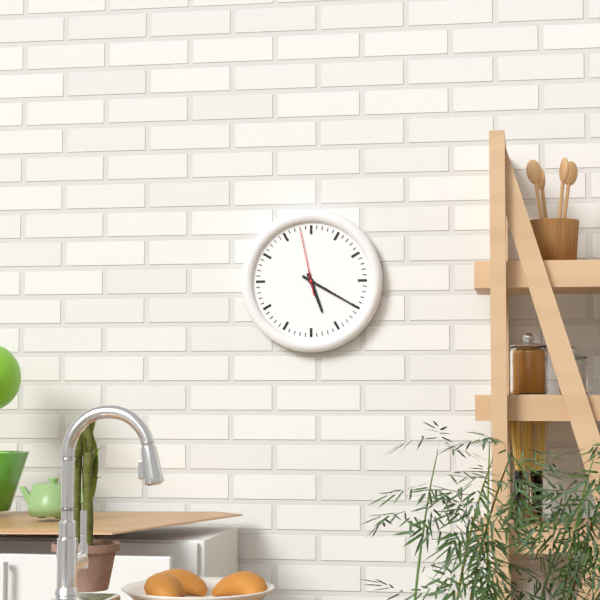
5:20:58
